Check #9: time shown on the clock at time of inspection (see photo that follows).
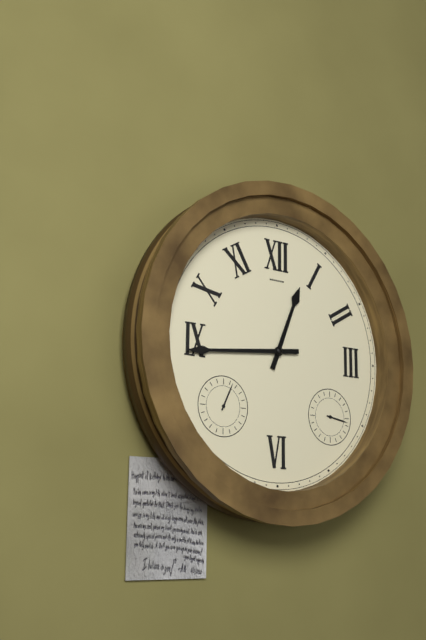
12:44
